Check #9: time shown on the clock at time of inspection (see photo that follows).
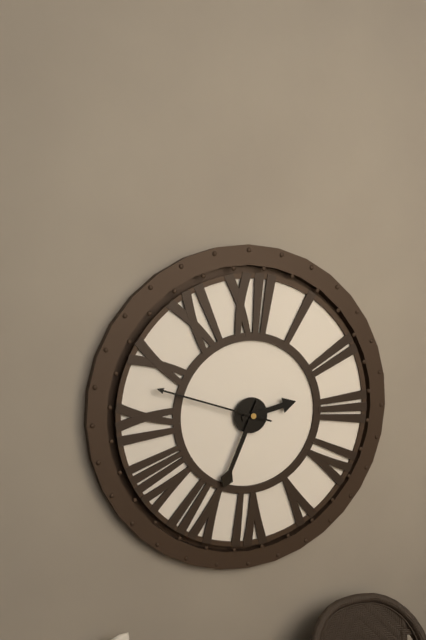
2:34:48
